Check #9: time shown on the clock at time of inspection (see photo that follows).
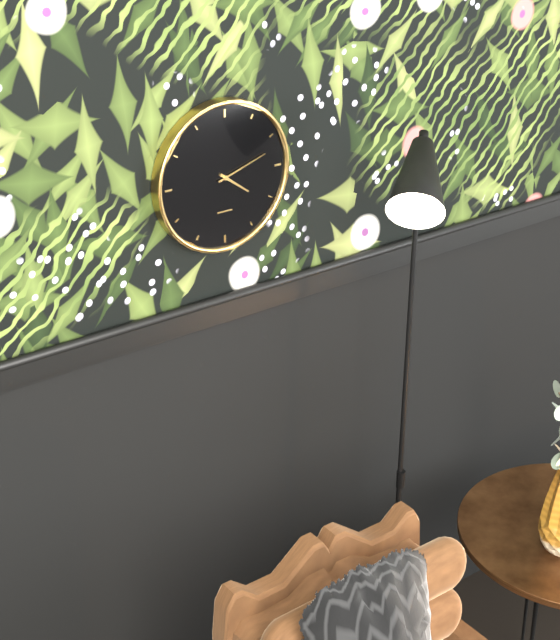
4:12
